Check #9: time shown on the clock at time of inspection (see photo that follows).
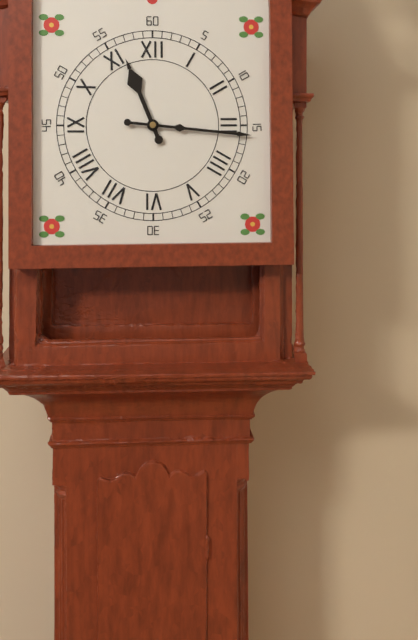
11:16
